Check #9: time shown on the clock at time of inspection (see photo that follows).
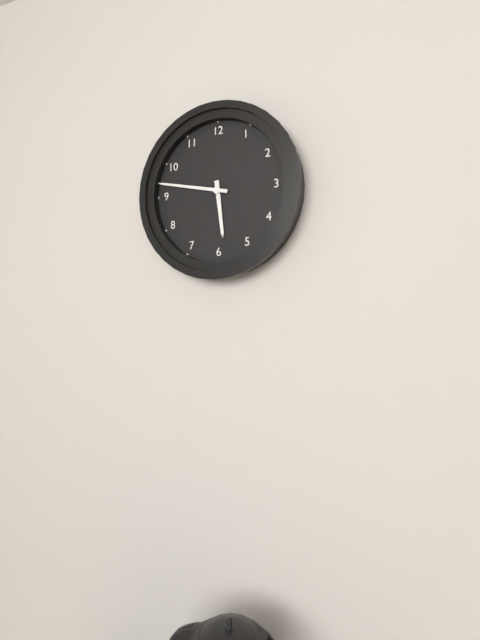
5:47
